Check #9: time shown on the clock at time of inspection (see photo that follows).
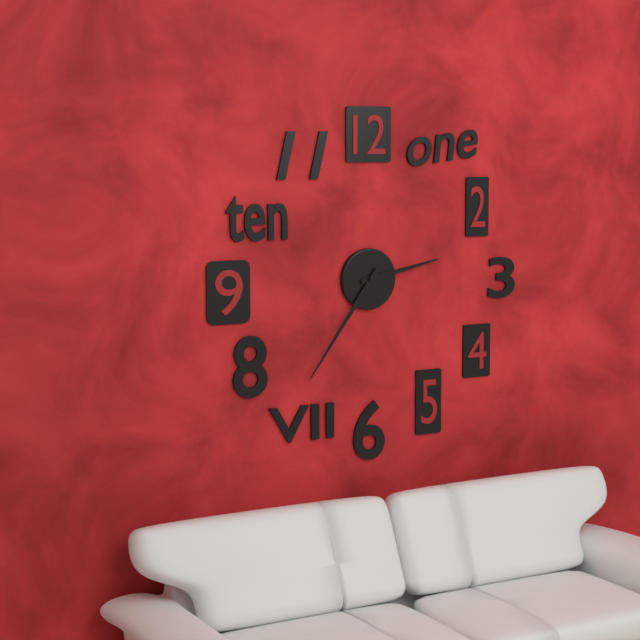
2:36
